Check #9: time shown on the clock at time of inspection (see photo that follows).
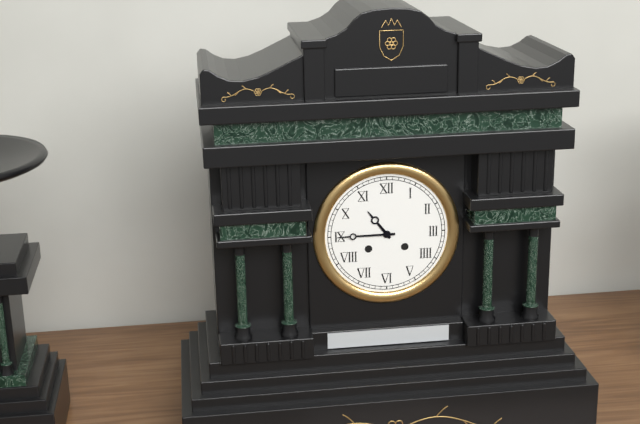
10:45
